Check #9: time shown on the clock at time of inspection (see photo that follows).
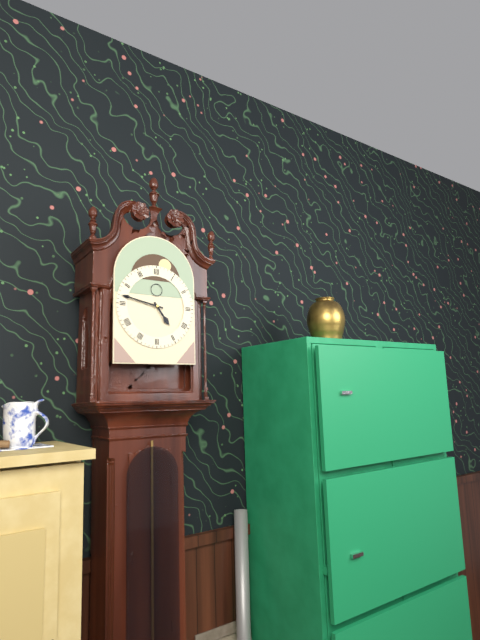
4:47
